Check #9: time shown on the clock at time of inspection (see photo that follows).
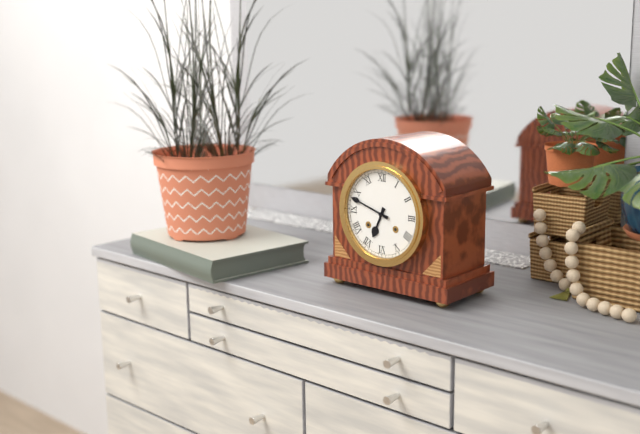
6:48
